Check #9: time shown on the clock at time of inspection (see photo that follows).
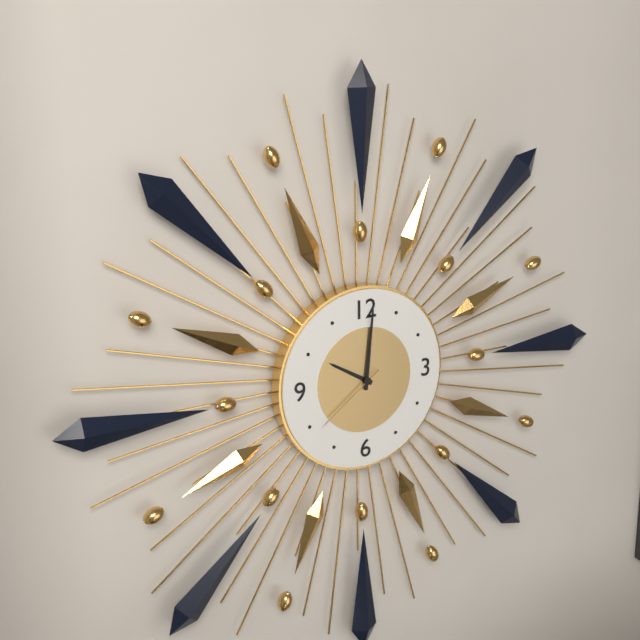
10:01:39
